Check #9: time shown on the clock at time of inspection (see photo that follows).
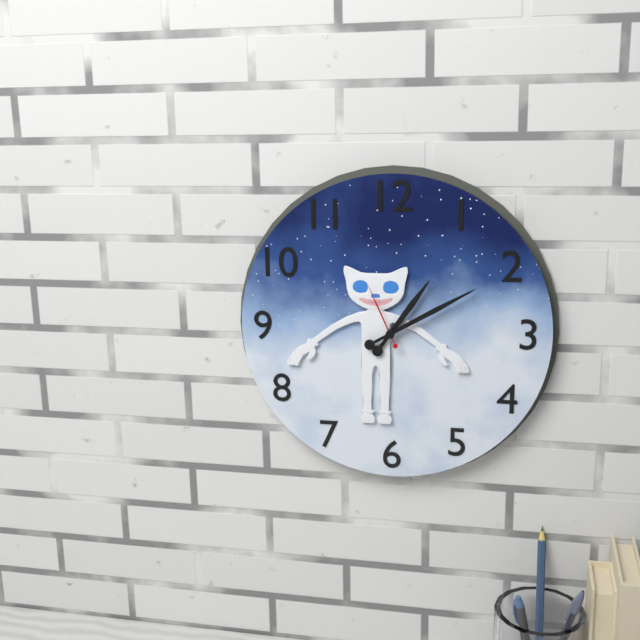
1:10:56
